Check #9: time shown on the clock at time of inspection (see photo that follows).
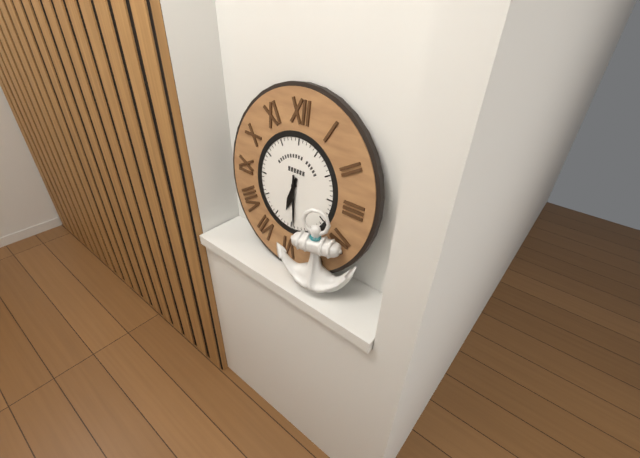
6:29
